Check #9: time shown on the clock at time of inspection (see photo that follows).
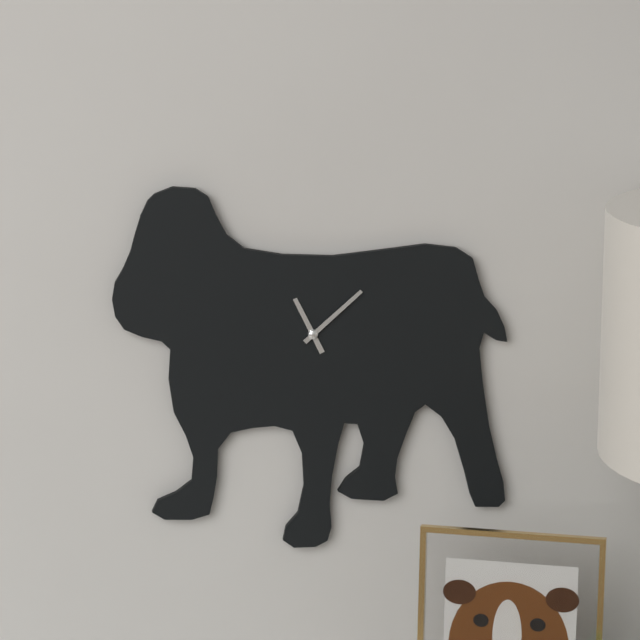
11:08
